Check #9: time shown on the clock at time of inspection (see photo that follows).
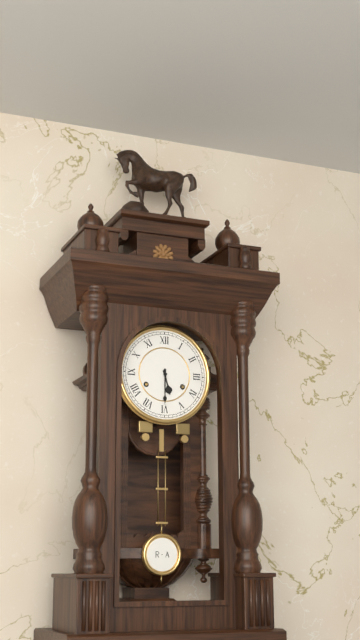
5:30
